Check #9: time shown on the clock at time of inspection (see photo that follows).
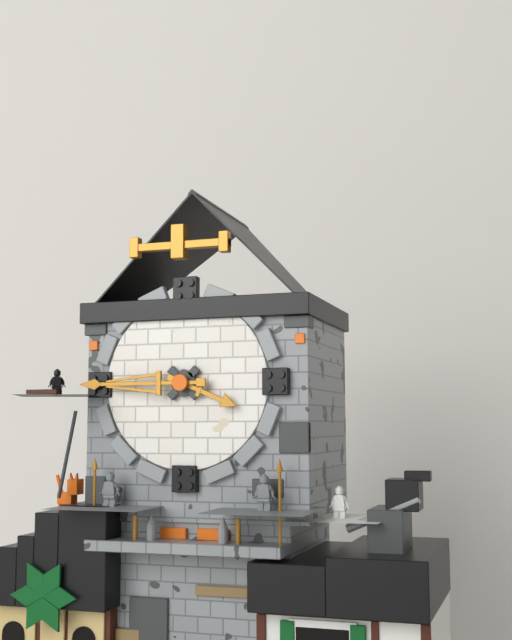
3:45
